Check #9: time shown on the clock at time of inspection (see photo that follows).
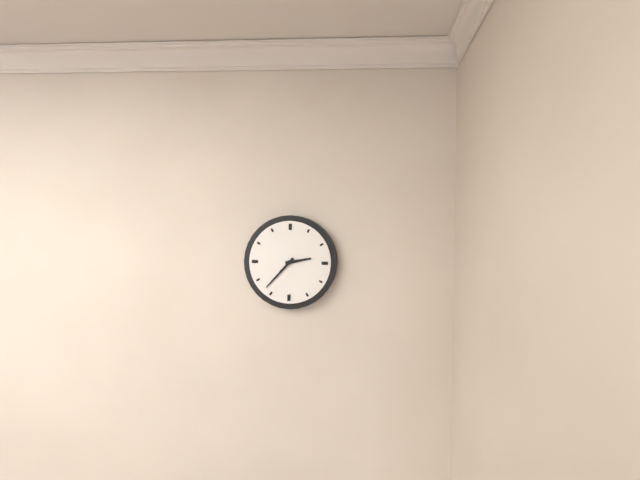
2:37
